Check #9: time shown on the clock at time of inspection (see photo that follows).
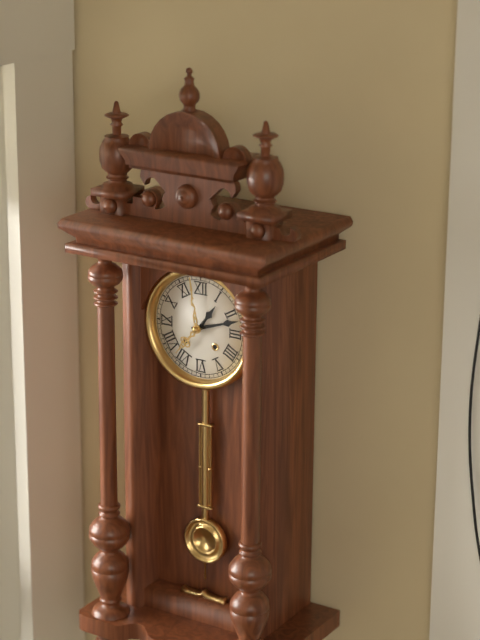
1:12
